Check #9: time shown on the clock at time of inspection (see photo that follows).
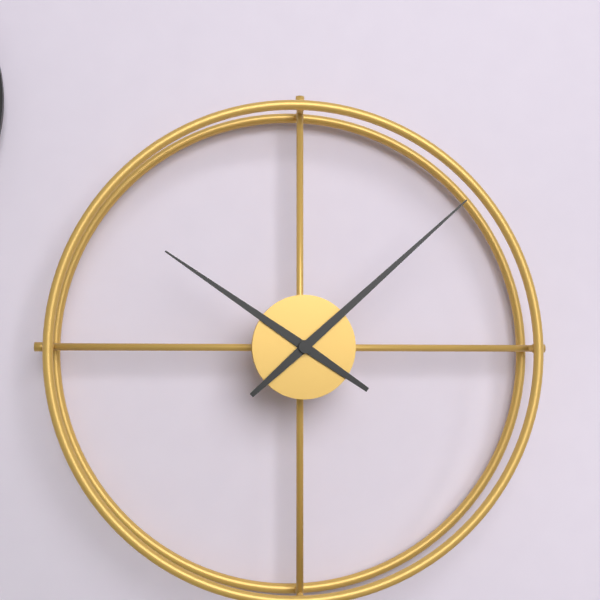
10:08
